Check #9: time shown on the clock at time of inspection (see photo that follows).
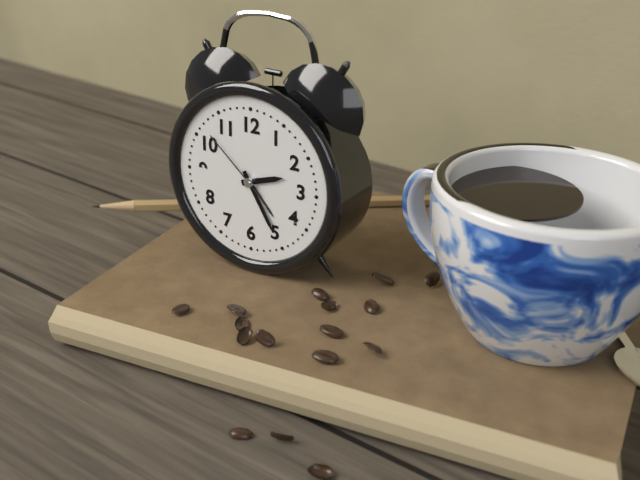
2:25:52
